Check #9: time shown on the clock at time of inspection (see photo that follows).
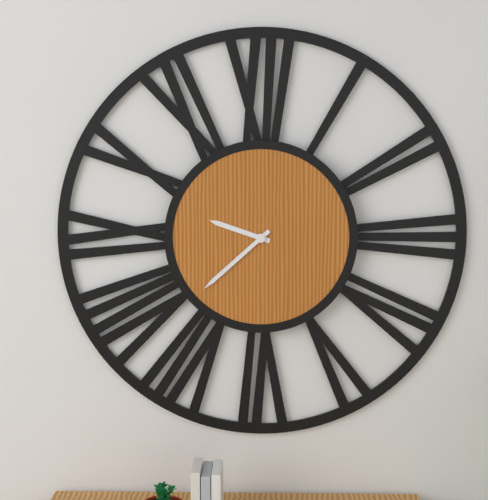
9:38
